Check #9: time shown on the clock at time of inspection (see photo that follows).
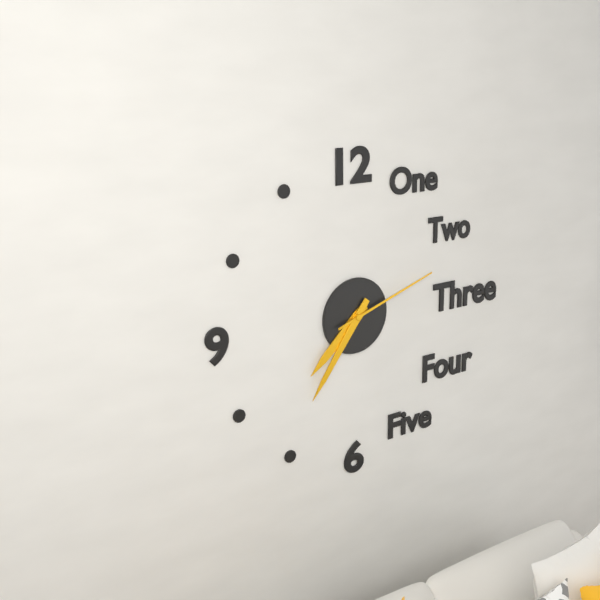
7:36:12
